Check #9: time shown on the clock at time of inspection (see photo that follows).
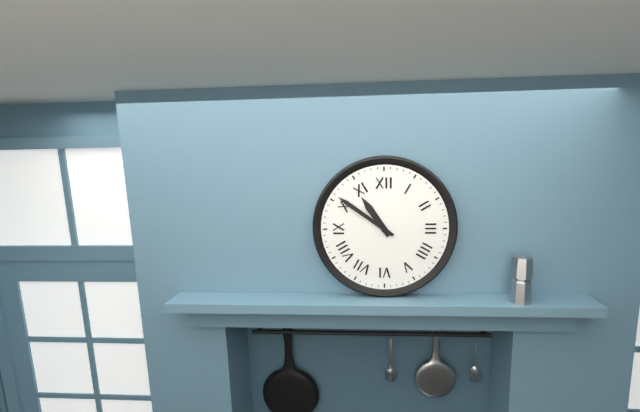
10:51
